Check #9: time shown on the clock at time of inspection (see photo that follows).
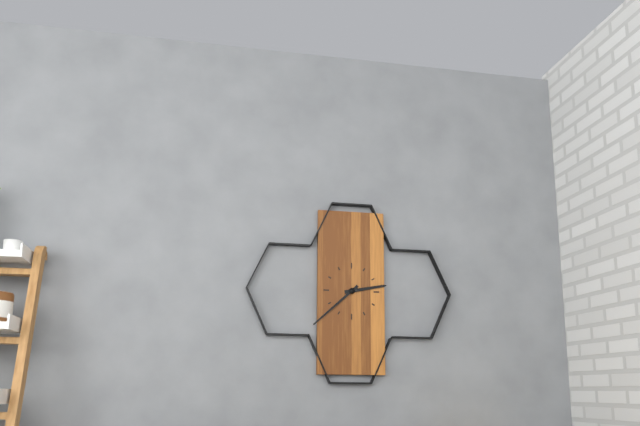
2:38
